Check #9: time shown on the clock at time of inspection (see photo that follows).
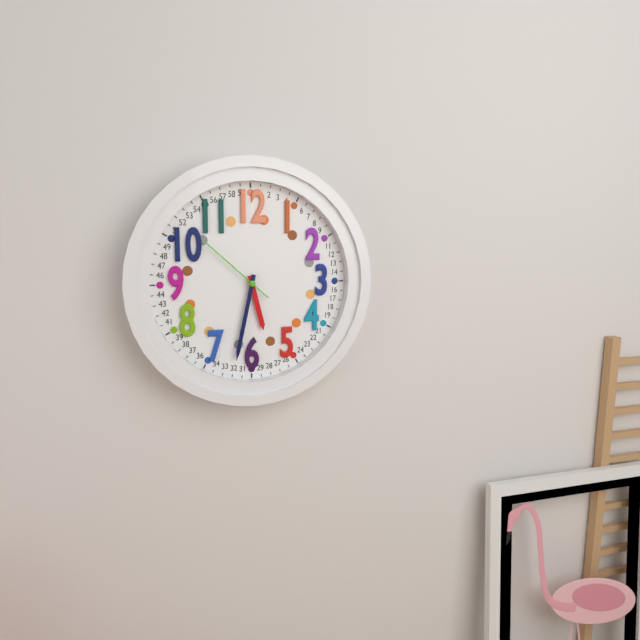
5:32:52
